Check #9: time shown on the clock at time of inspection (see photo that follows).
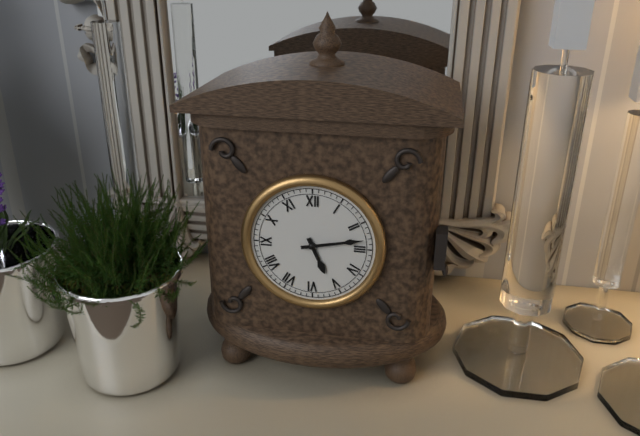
5:13
